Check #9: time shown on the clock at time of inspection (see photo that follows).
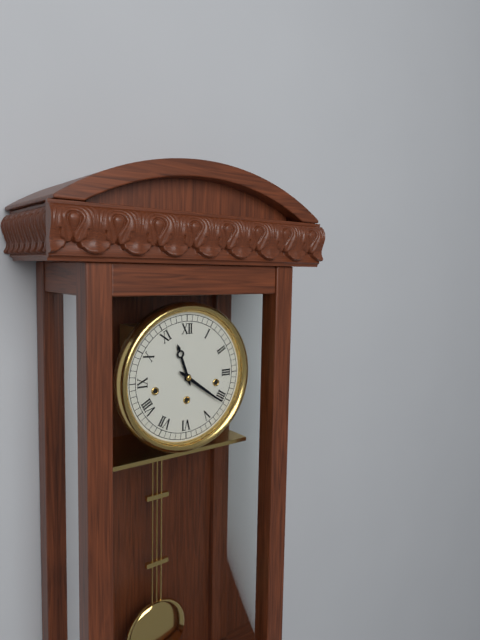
11:21
